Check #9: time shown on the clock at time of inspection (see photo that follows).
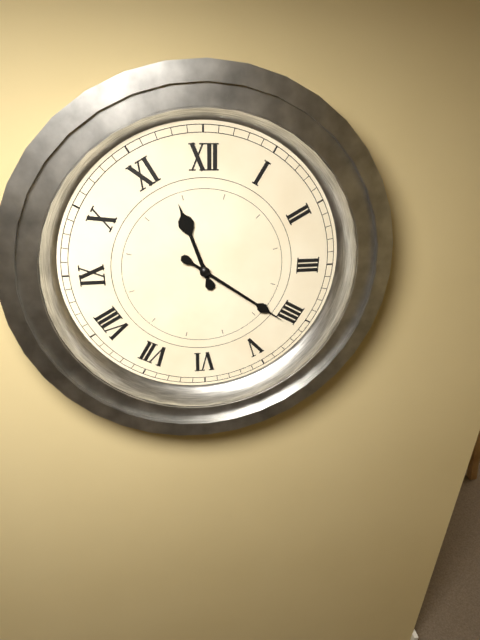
11:21
